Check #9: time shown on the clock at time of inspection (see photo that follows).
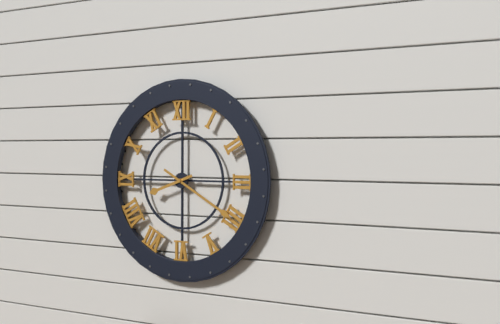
8:20
